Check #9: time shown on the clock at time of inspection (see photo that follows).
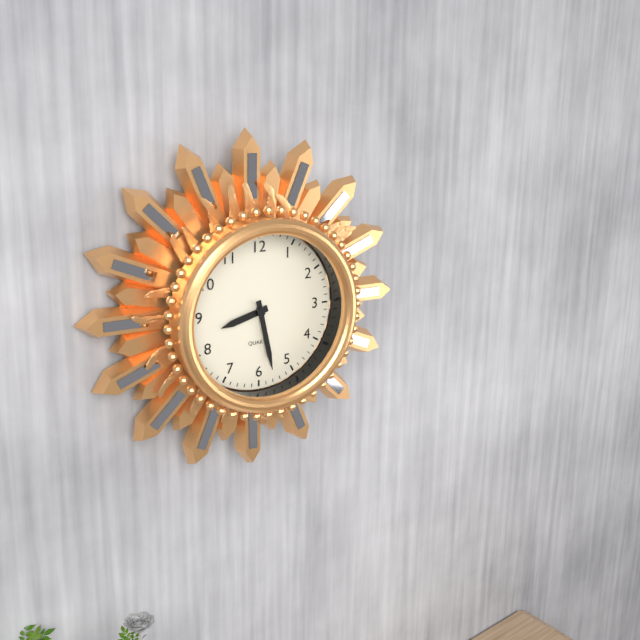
8:28
